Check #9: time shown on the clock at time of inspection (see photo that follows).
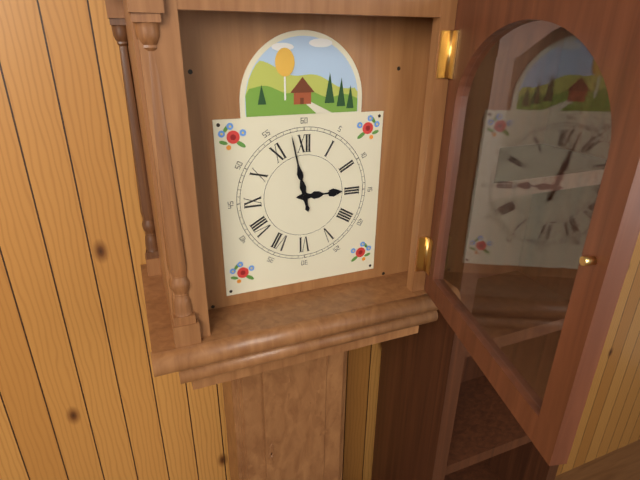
2:58
